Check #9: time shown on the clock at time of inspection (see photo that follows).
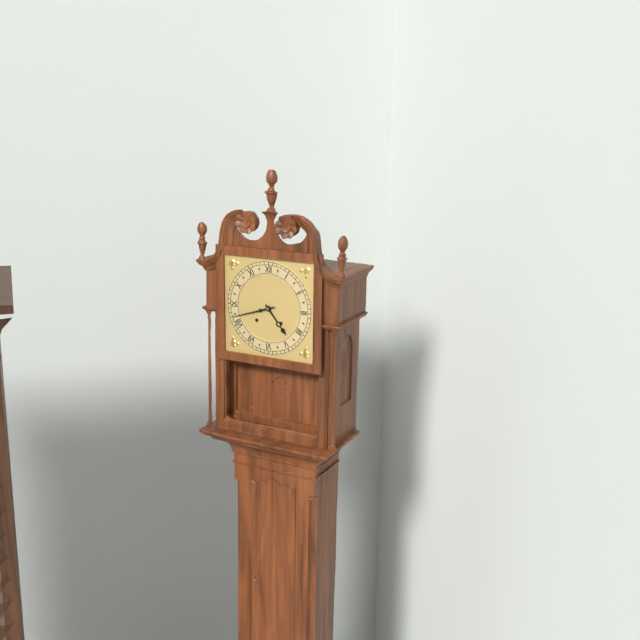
4:42
